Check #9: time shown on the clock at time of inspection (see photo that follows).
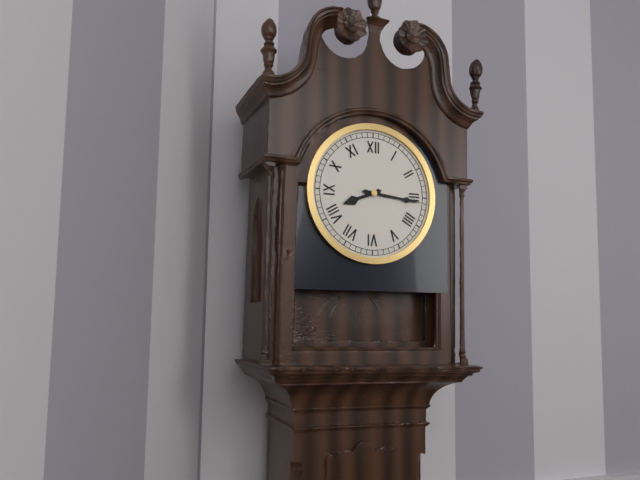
8:16
